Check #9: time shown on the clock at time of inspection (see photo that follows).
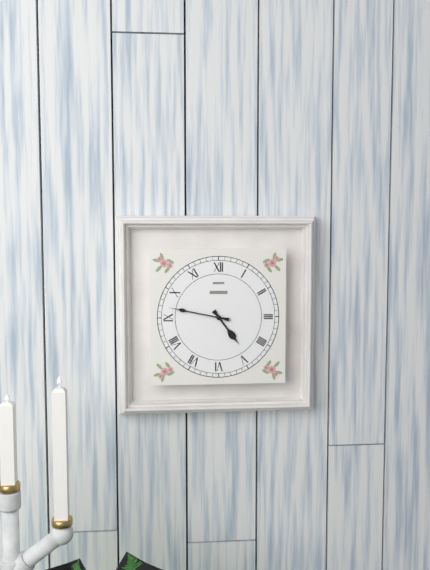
4:47
